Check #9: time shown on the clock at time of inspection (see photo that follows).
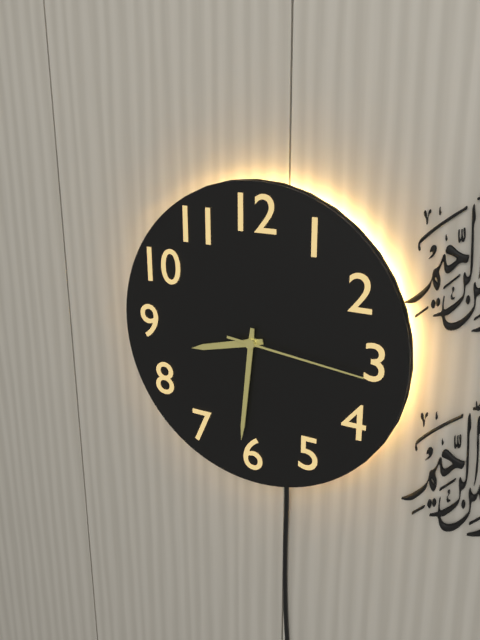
8:31:16
